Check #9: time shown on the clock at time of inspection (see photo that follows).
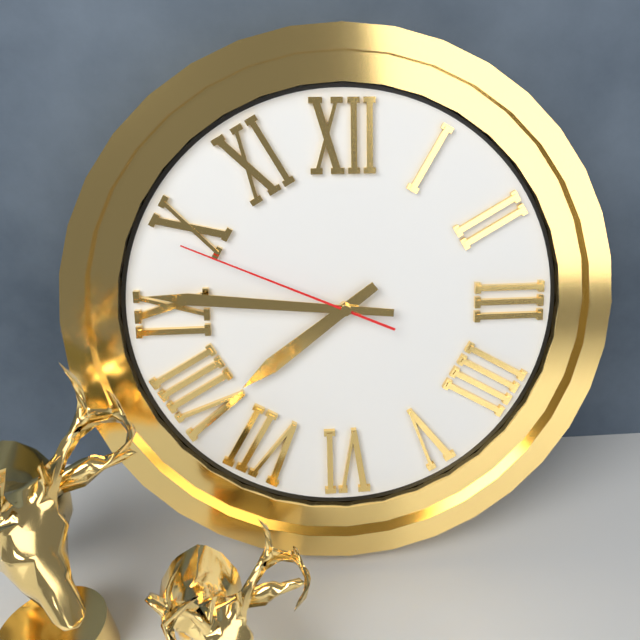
7:46:49
